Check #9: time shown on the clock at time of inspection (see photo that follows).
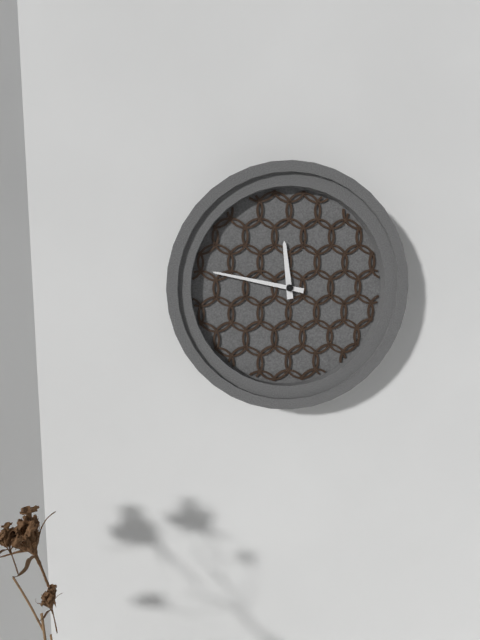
11:47
